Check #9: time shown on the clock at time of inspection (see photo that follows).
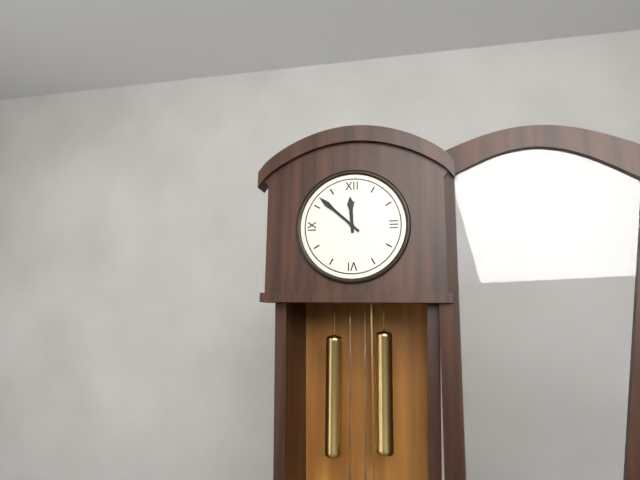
11:52
